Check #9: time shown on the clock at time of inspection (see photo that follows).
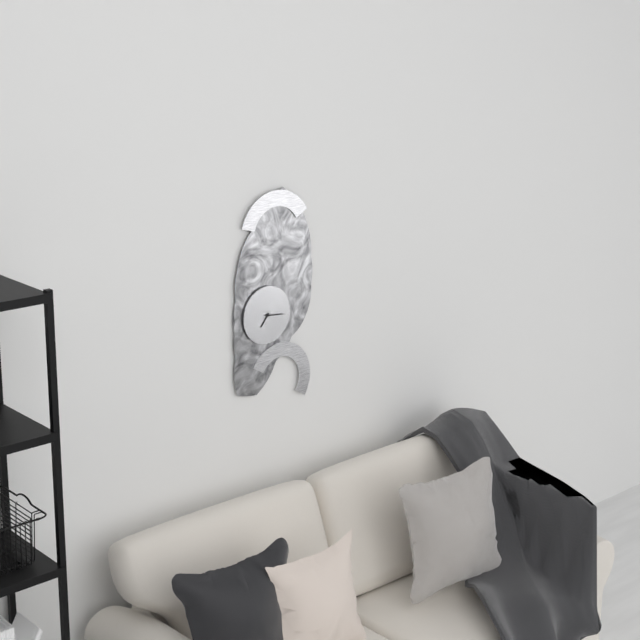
7:16
